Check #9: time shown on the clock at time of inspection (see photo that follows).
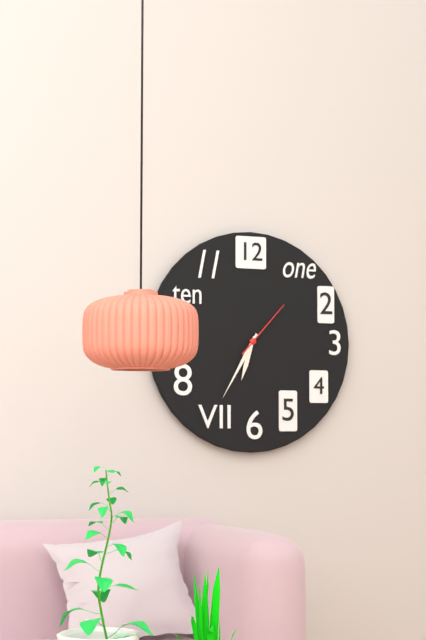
6:35:07
